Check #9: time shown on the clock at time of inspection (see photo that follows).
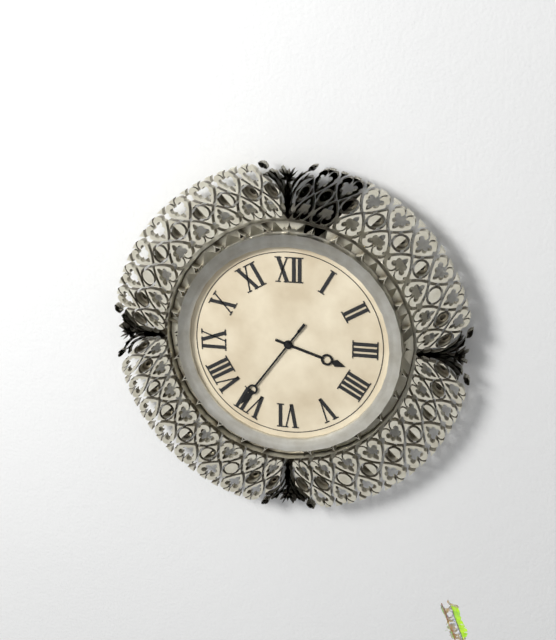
3:36
